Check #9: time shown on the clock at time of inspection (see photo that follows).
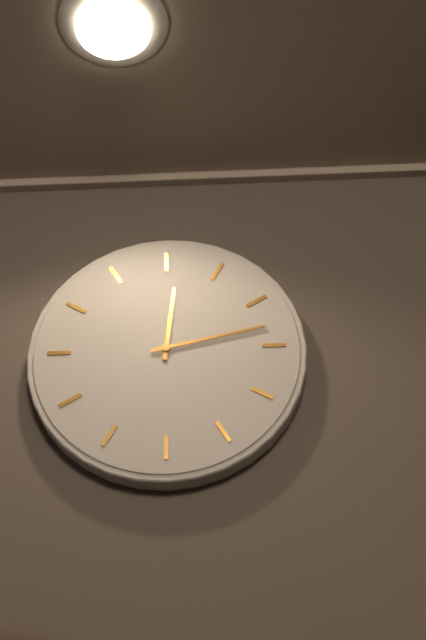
12:13
